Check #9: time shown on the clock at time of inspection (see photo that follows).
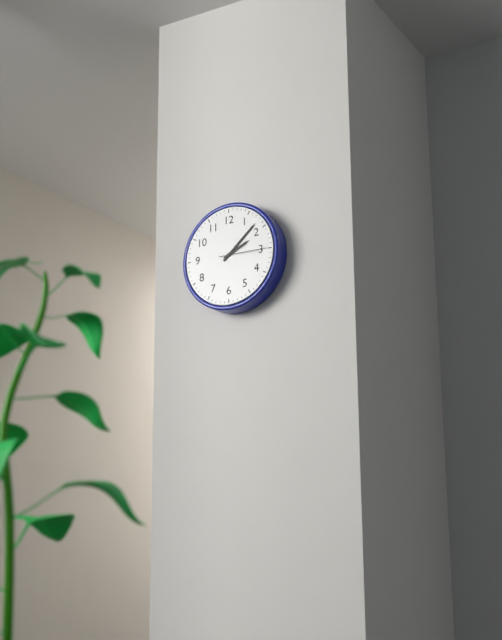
2:08
